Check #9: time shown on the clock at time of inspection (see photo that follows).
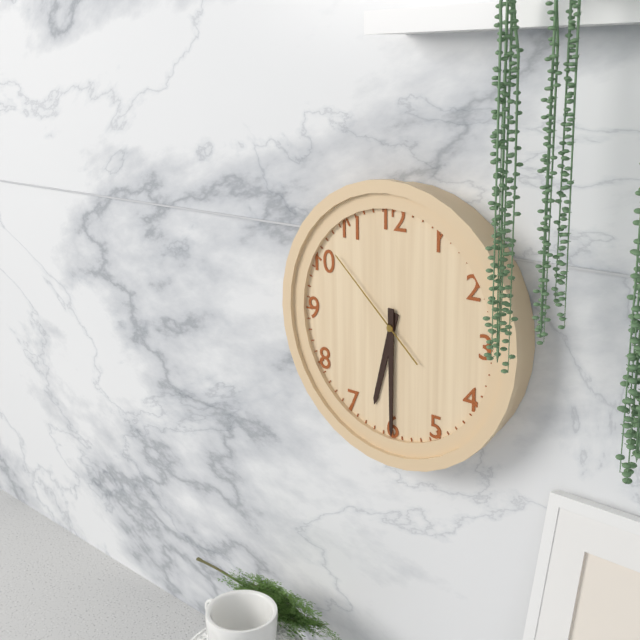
6:30:52
